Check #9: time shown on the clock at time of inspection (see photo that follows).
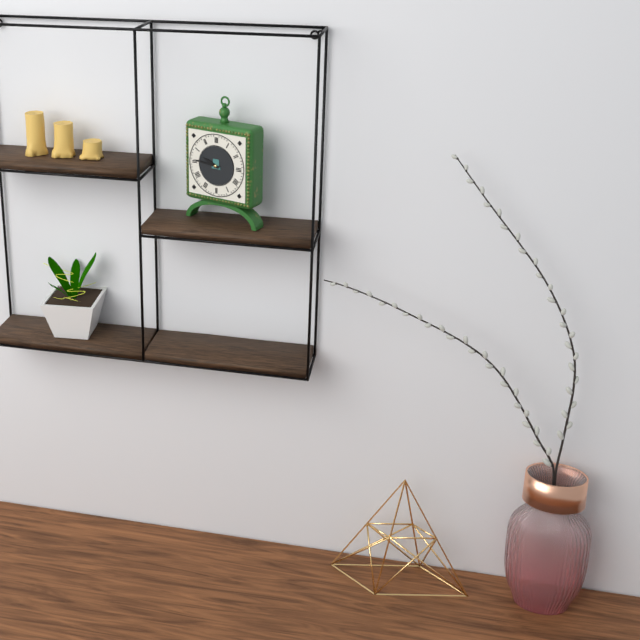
9:46
